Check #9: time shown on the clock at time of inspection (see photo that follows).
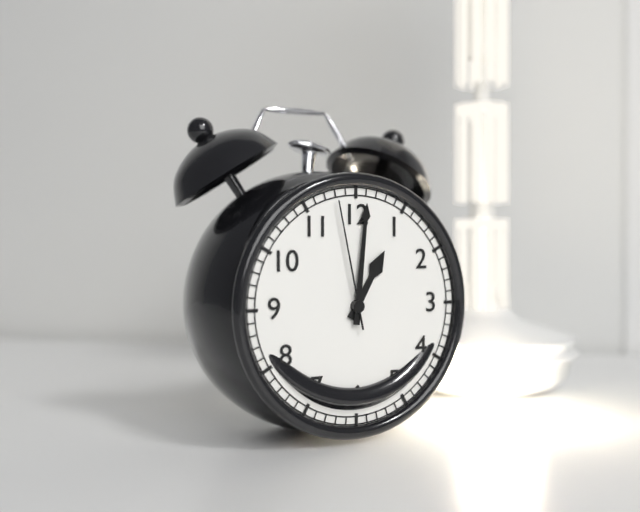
1:01:58
